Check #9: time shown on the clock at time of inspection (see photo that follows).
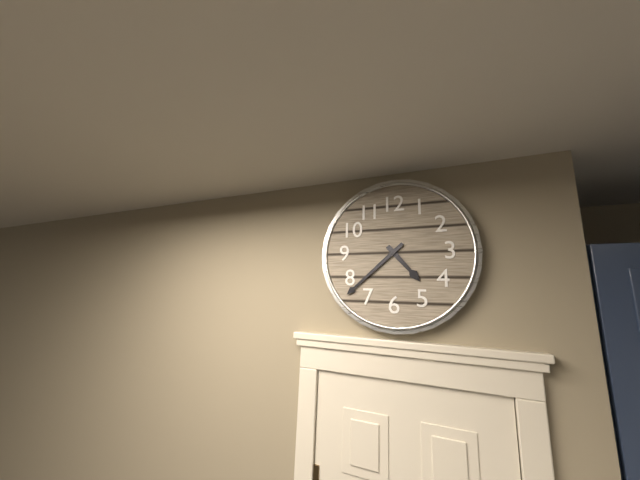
4:38
